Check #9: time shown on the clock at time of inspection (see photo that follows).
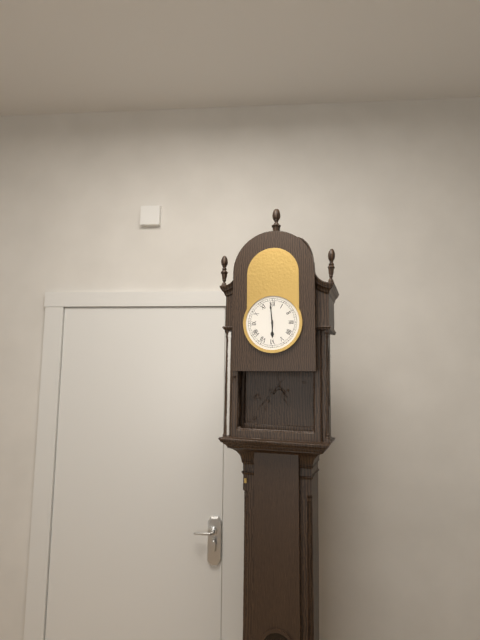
5:59
